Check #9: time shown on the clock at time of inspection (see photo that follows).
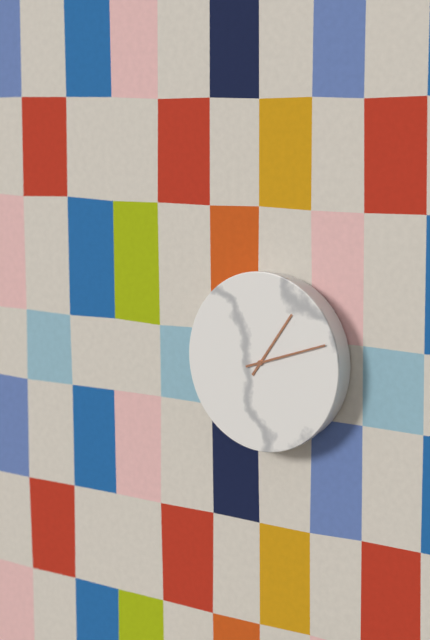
1:12
